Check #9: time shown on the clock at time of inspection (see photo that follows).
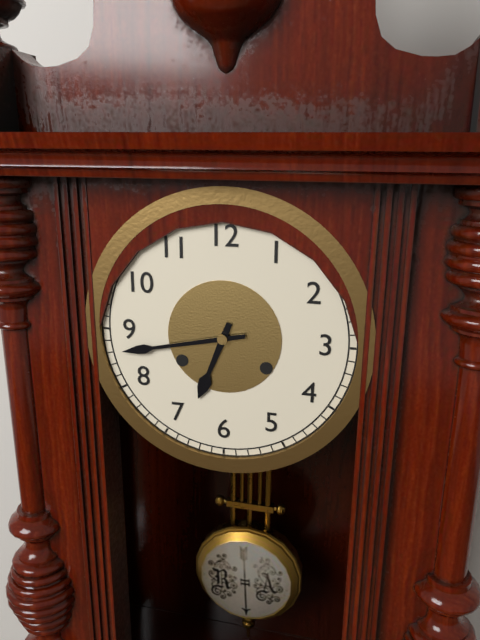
6:43
